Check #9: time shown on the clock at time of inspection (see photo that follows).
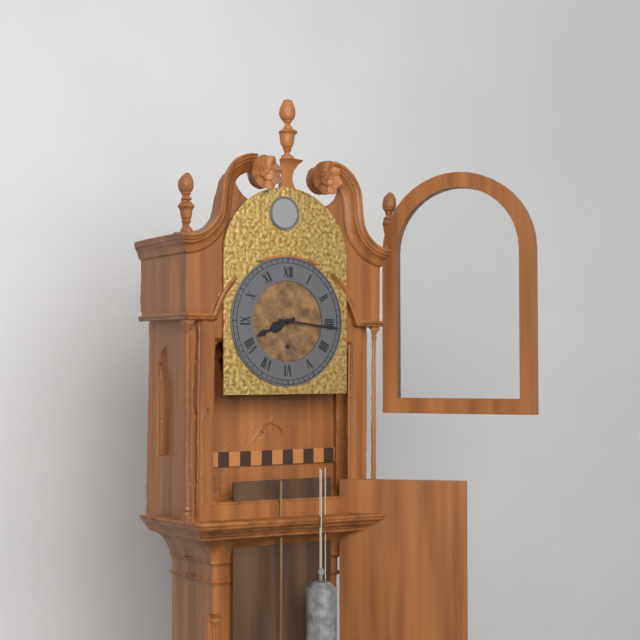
8:16
